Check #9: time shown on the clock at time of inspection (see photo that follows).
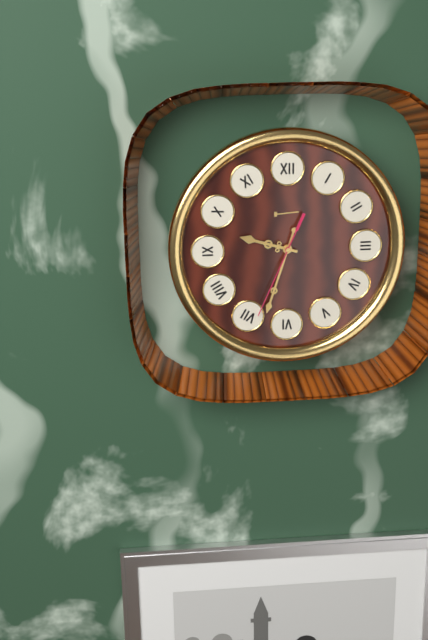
9:33:34
